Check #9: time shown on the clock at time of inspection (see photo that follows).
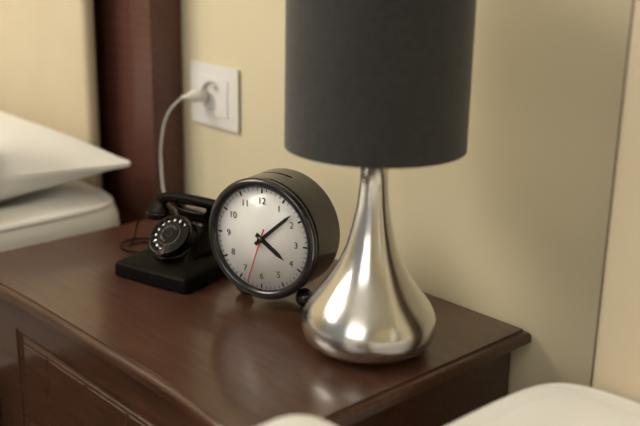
4:08:33
